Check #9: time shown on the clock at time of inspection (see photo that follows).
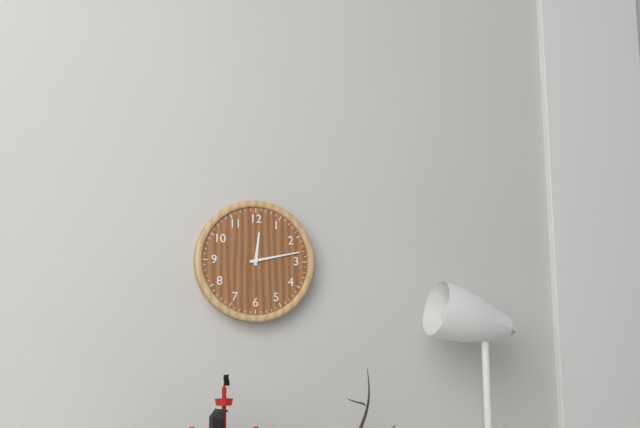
12:13
